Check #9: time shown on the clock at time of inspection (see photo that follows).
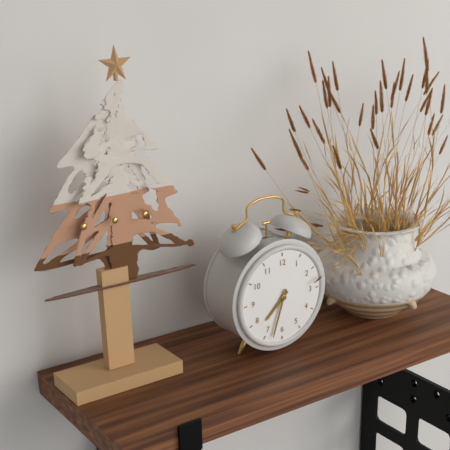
7:33
